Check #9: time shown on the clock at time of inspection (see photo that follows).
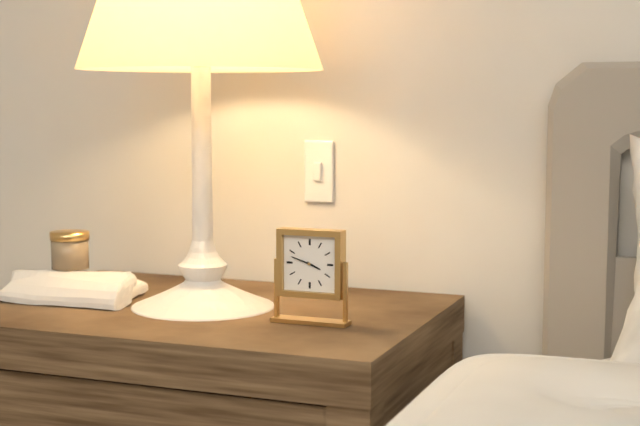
3:48
